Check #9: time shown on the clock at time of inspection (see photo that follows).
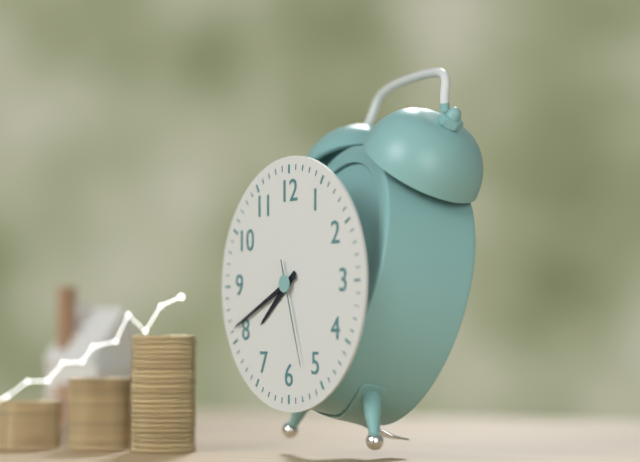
7:41:27
